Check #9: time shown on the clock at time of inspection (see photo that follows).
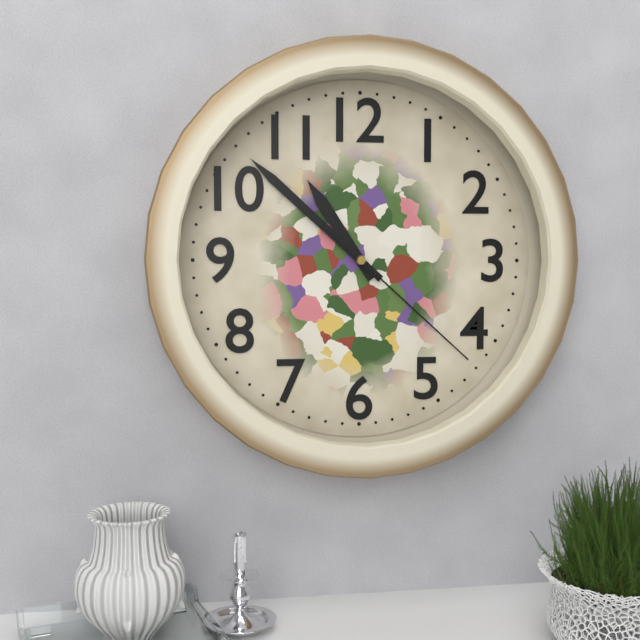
10:52:22
